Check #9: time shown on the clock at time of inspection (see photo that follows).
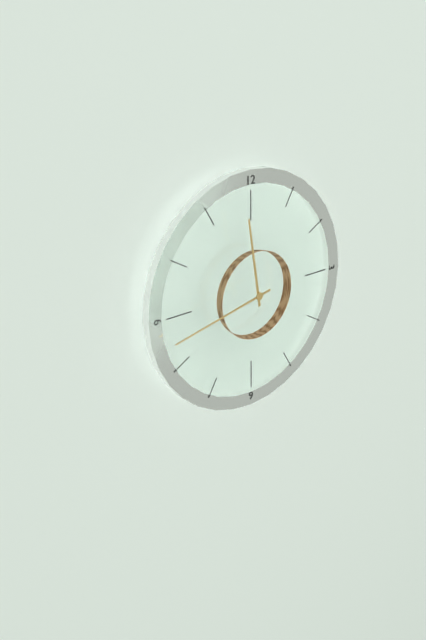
11:43
